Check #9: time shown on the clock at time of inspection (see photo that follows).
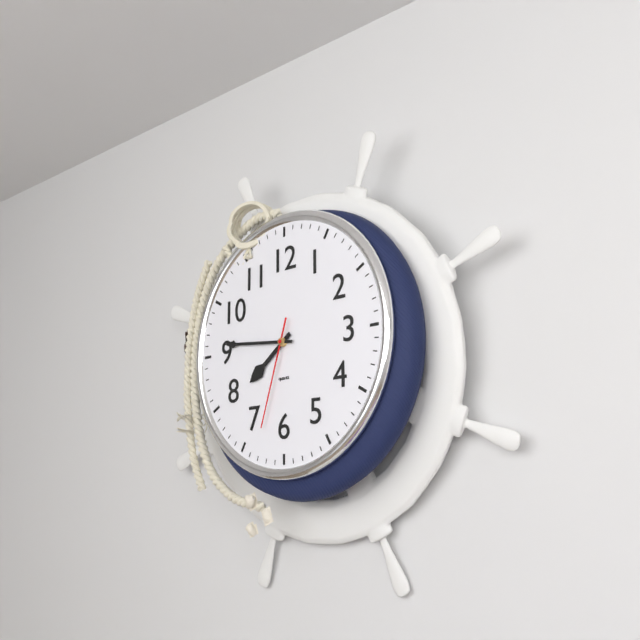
7:46:33
